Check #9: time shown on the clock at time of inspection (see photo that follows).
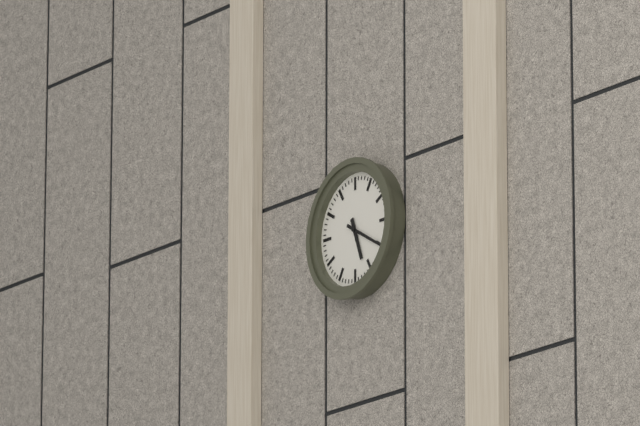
5:20
